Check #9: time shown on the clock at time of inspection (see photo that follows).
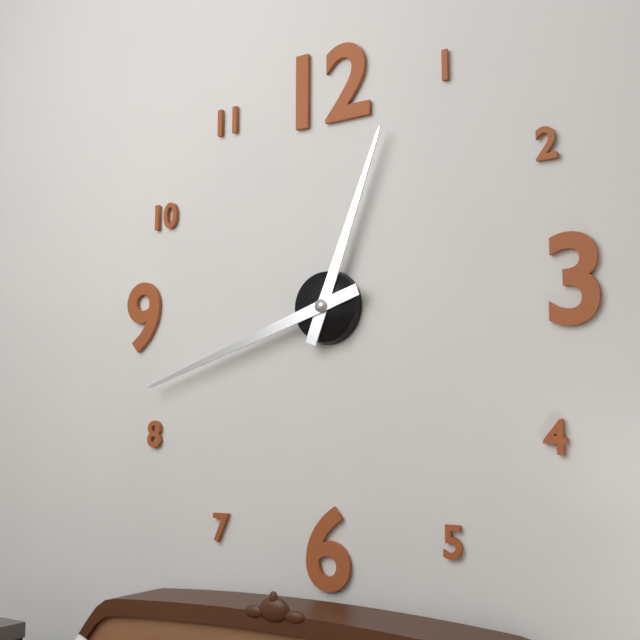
12:42
